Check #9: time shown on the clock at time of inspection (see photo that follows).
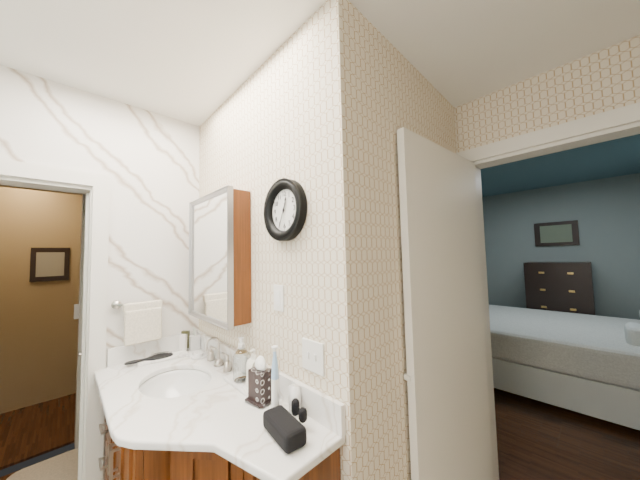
12:34
